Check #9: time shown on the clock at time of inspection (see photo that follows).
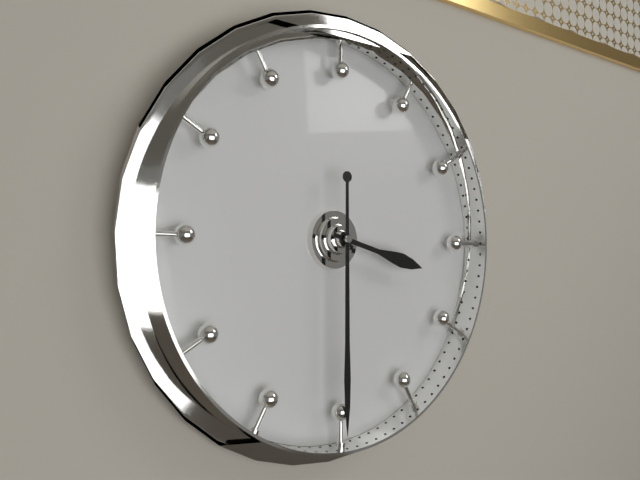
3:30
